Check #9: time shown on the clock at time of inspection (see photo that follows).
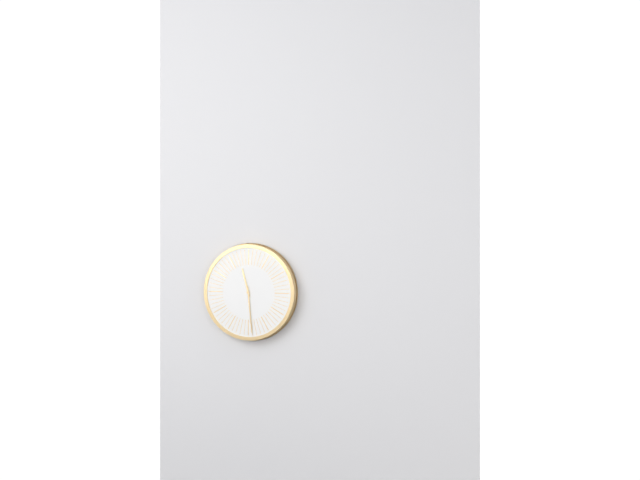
11:29
